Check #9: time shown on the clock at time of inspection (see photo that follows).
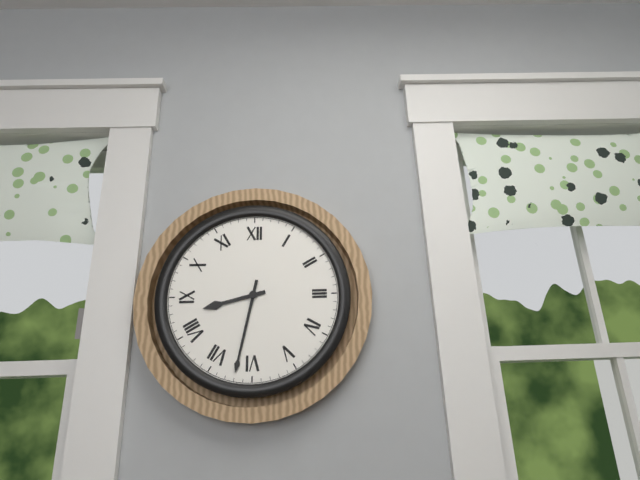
8:32
